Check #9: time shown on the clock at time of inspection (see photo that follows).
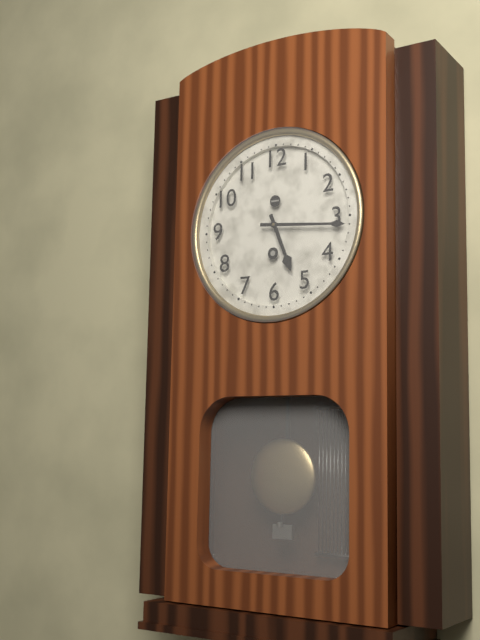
5:16
